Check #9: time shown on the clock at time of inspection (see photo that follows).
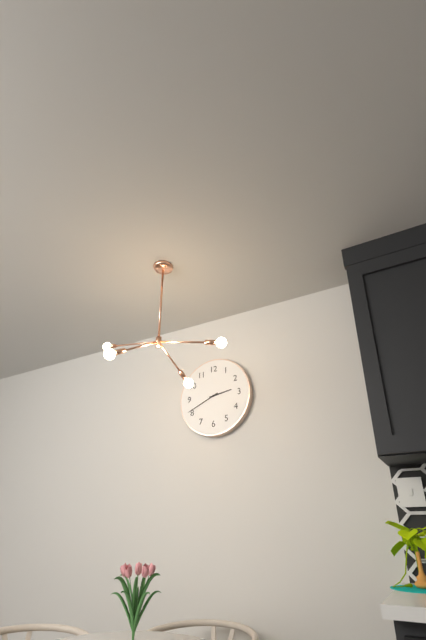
2:41
